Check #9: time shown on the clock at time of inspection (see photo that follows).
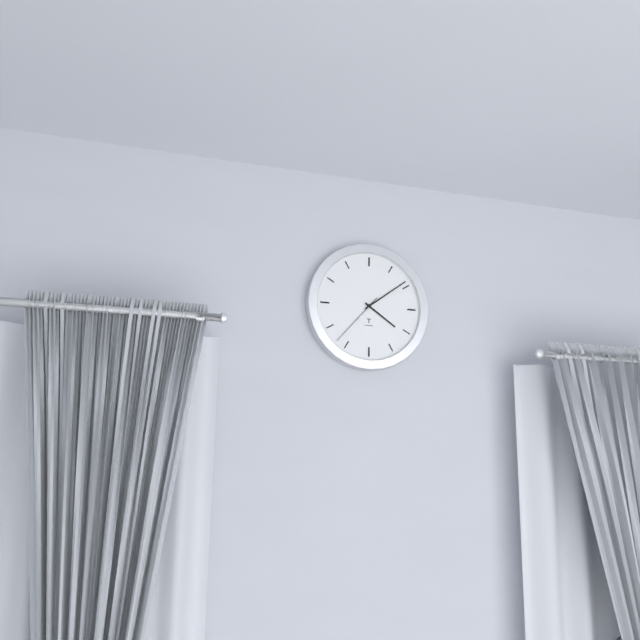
4:09:37
